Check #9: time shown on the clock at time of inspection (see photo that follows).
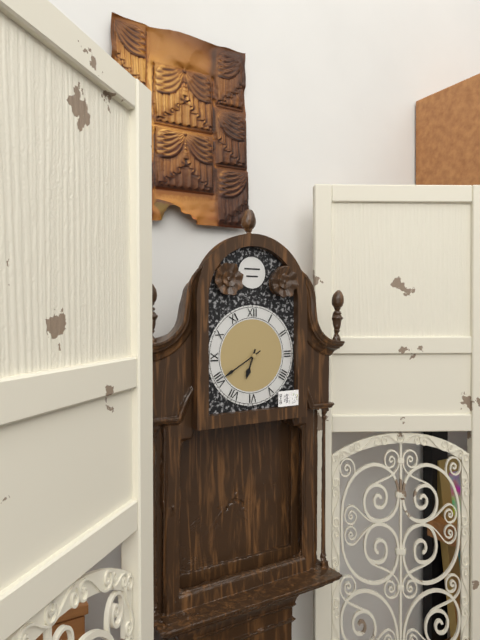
6:40
